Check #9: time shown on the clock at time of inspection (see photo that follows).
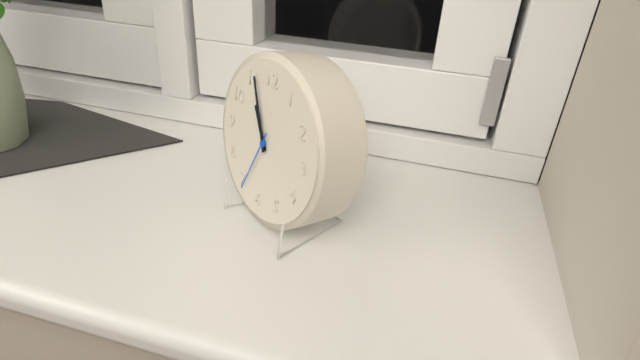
10:56:34
